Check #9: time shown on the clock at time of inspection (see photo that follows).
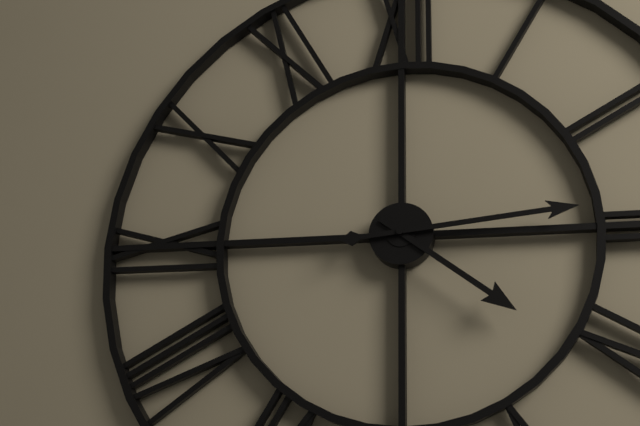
4:14
